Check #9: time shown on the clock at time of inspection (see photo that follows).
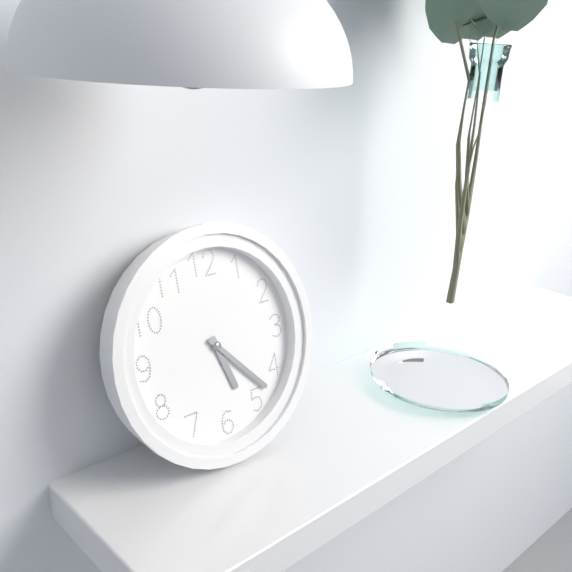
5:23
